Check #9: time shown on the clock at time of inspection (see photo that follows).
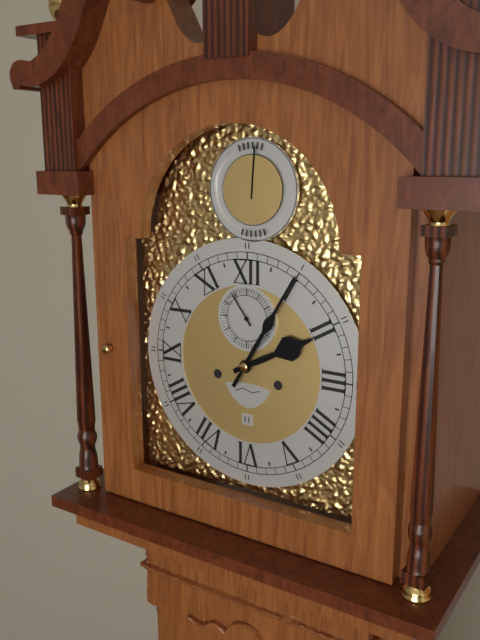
2:05
